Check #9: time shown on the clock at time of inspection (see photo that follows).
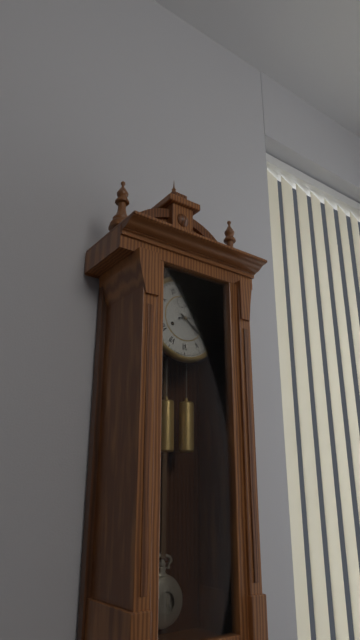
4:13
